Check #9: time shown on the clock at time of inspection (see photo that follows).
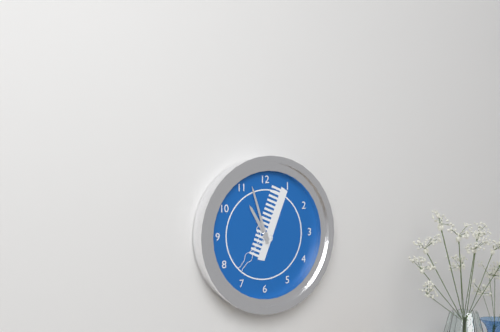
10:57
